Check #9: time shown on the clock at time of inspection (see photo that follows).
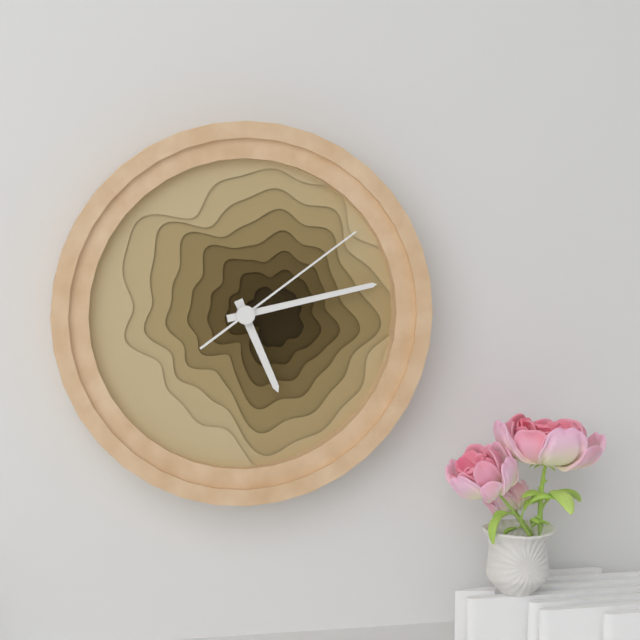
5:13:09
